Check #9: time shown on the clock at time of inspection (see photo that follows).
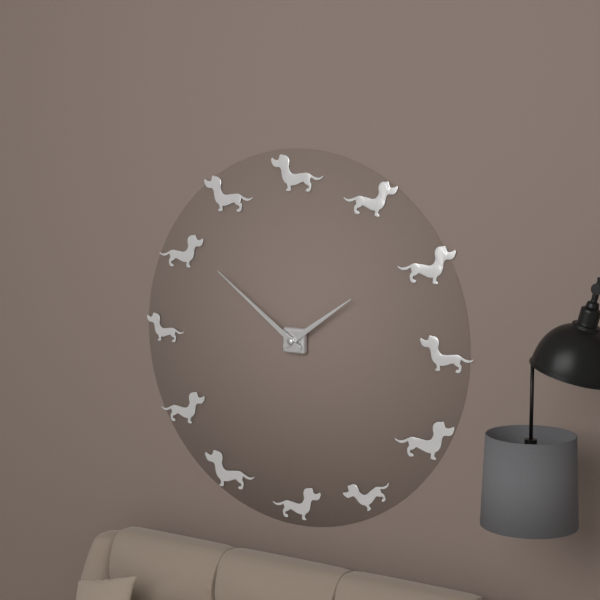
1:51
